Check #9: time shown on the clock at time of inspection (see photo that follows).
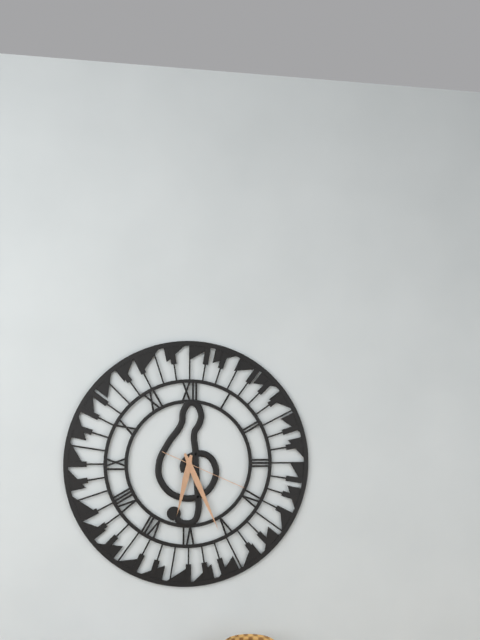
6:26:19
